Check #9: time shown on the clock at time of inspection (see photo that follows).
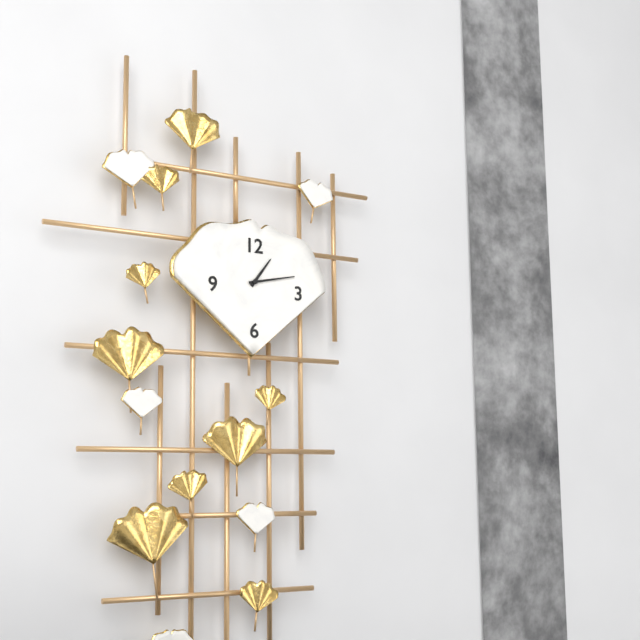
1:13
